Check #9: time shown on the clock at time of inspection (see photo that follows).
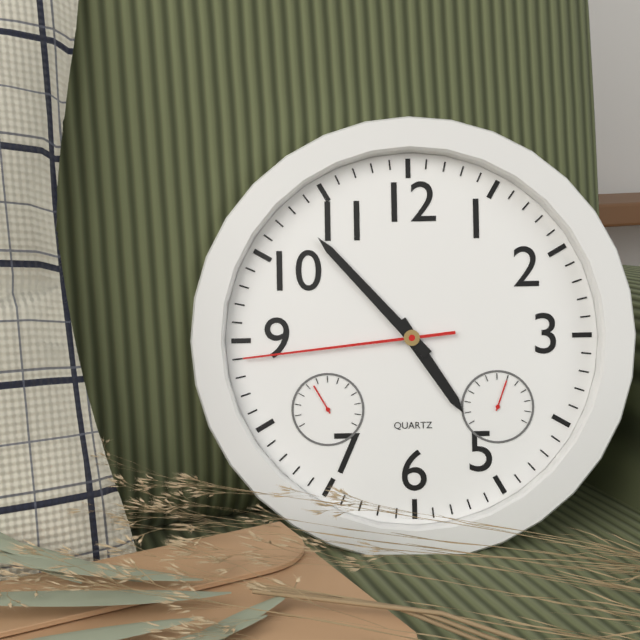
4:53:44
